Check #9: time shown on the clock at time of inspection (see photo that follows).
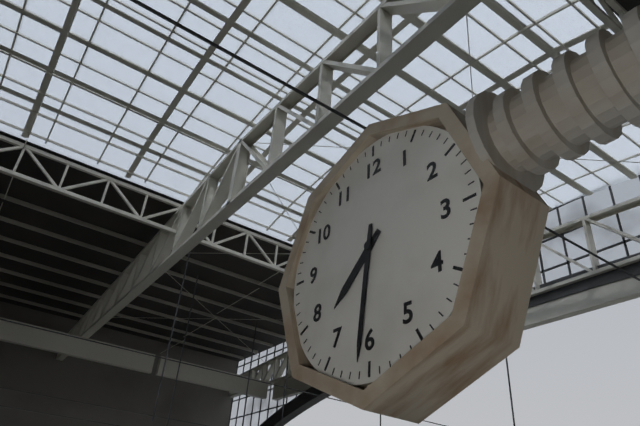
7:31
